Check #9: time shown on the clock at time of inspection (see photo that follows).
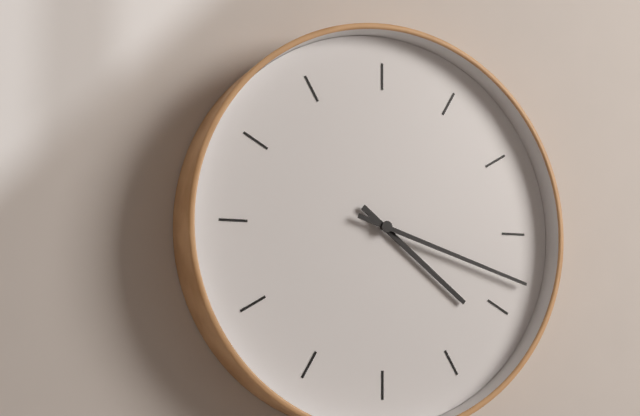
4:18
